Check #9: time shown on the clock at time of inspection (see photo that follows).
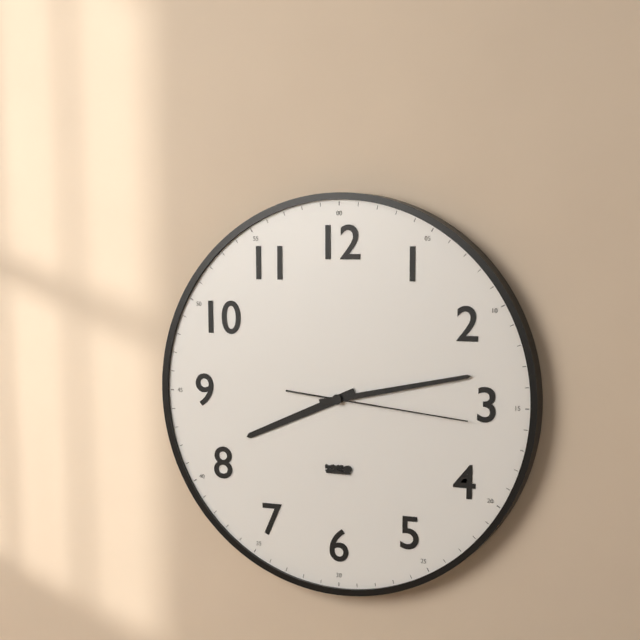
8:13:16
